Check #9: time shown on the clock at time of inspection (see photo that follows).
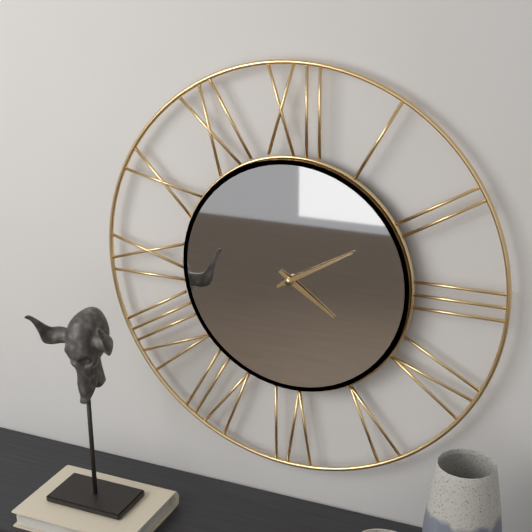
4:10
